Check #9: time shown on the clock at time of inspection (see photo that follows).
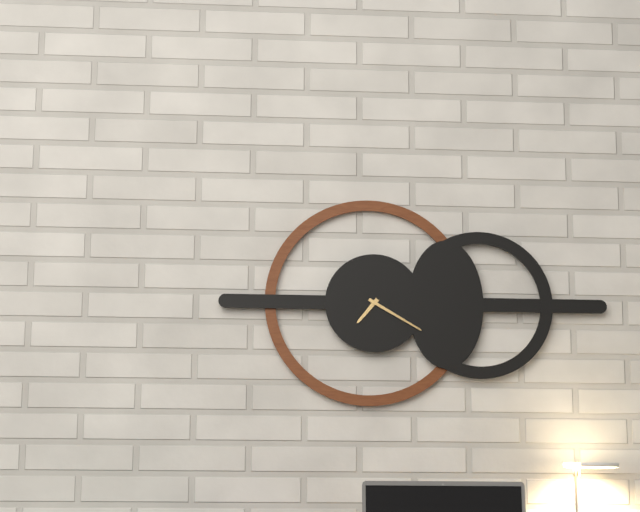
7:20
